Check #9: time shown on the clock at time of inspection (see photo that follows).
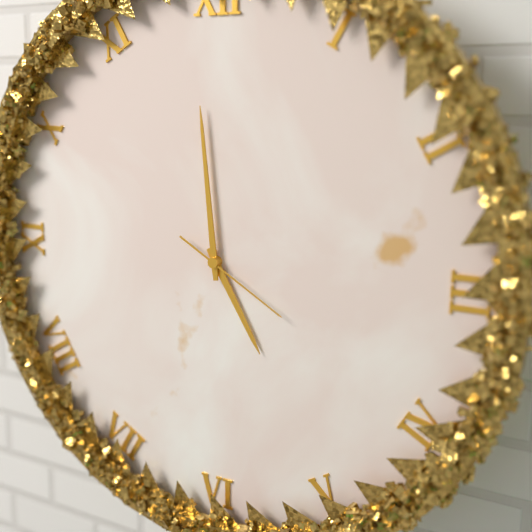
4:59:20
